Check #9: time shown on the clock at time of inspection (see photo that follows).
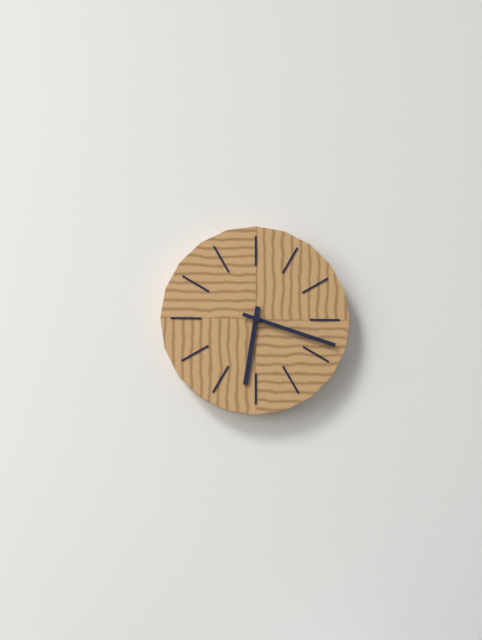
6:18
